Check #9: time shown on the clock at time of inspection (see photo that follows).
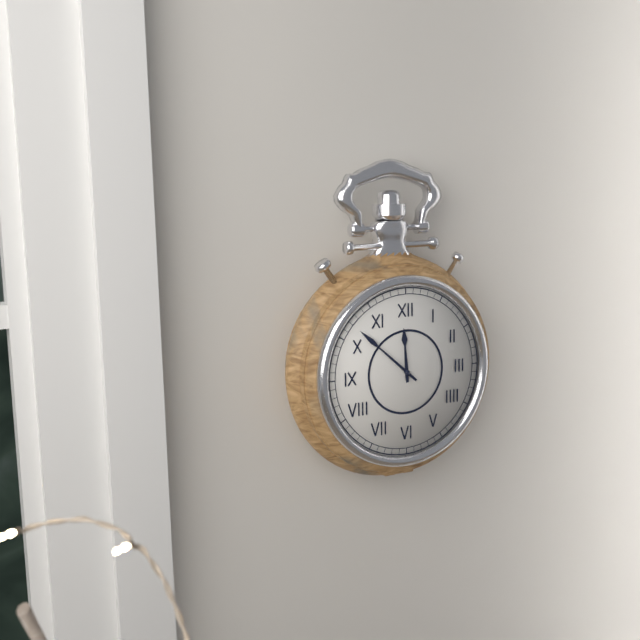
11:52
